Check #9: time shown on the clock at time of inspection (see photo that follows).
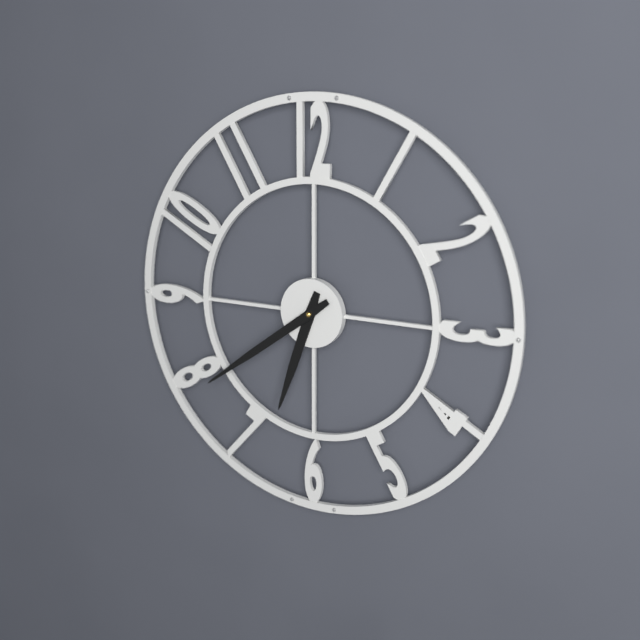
6:39
